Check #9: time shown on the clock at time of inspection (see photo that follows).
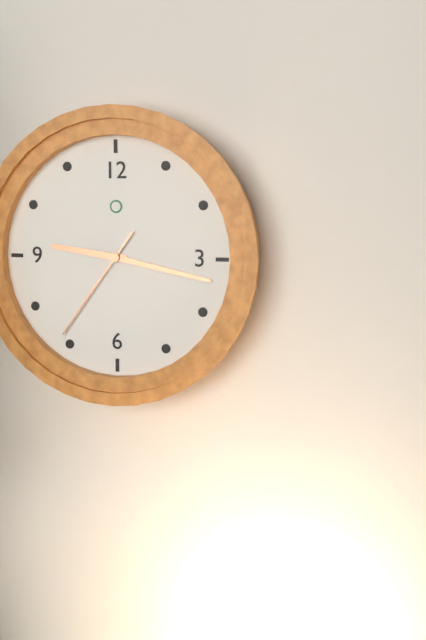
9:17:36
